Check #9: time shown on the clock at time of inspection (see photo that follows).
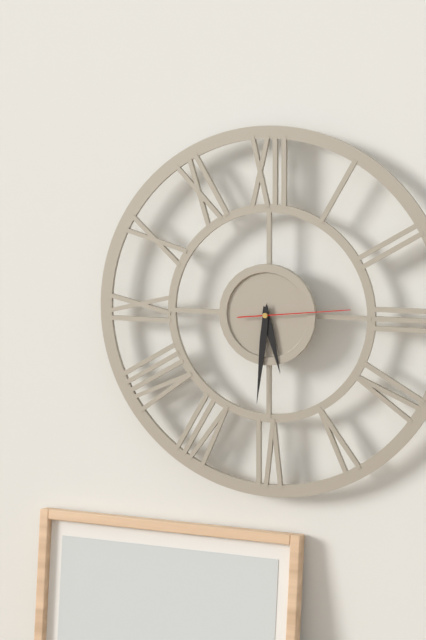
5:31:14
